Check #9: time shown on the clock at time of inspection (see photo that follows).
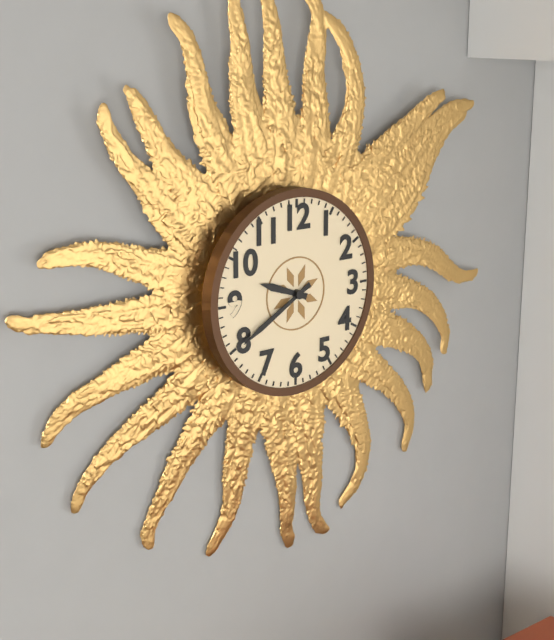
9:40
